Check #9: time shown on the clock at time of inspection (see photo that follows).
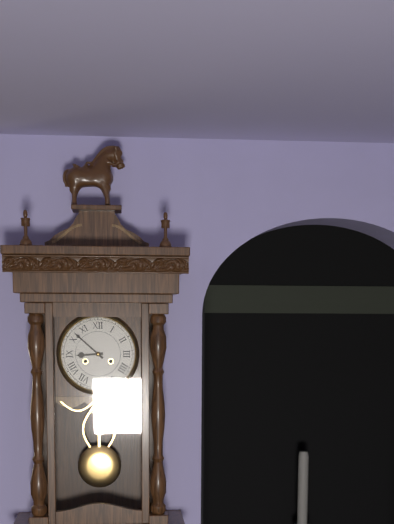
8:52
